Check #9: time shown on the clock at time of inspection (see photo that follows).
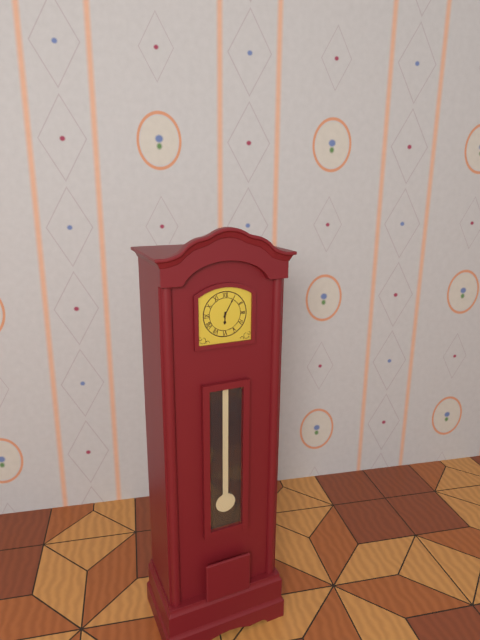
6:05
